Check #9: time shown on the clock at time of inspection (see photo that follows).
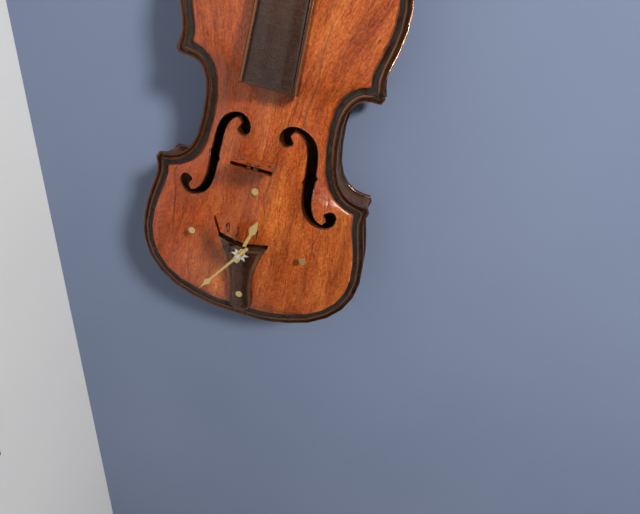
12:36
